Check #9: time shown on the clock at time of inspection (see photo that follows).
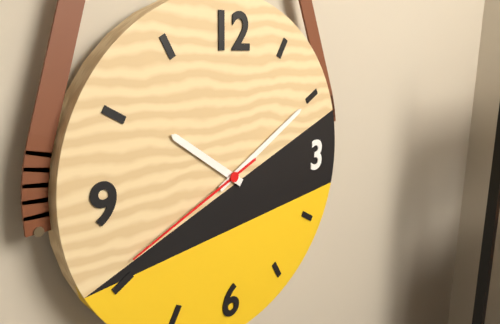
10:10:41
